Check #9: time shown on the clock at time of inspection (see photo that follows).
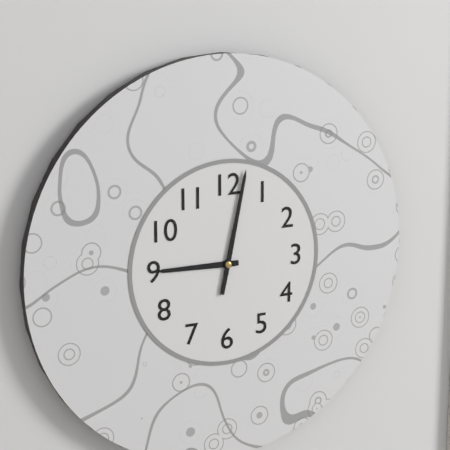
9:02
